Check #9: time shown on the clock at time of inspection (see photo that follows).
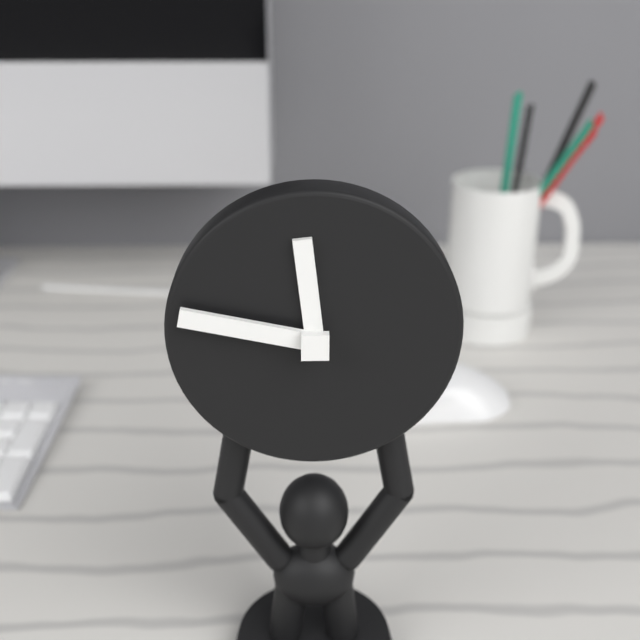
11:47
